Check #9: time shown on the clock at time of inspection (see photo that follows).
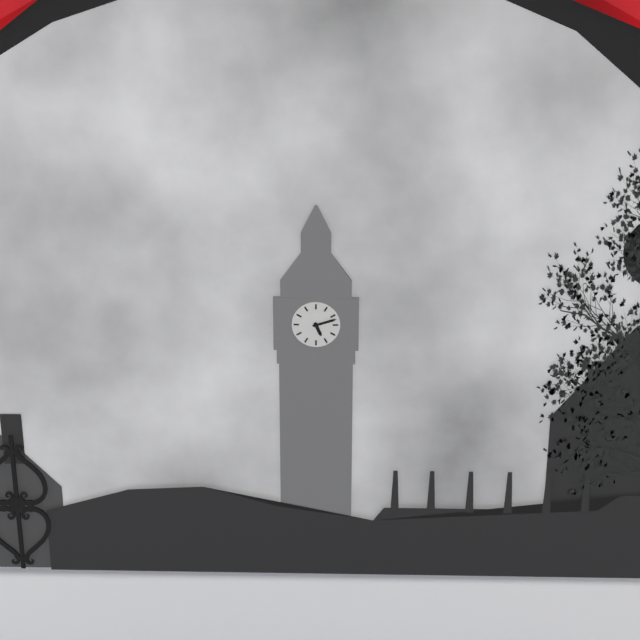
5:12
